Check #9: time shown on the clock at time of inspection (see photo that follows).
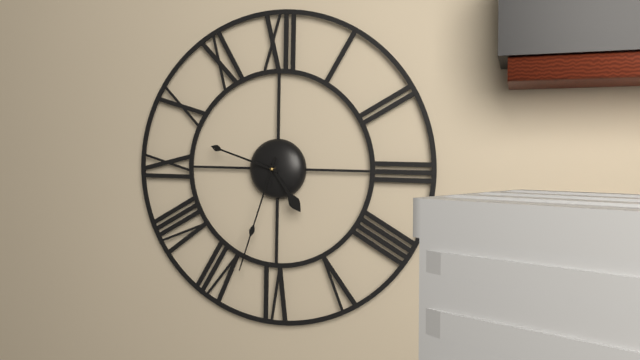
4:48:33
